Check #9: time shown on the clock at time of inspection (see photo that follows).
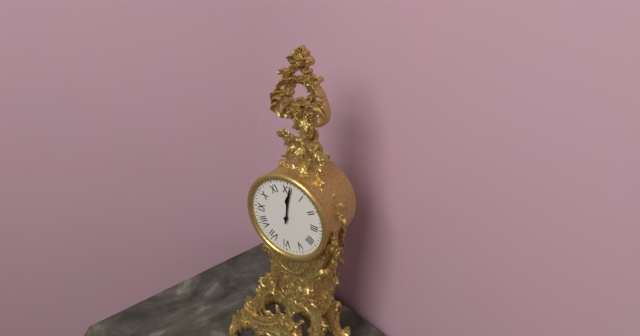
12:01
